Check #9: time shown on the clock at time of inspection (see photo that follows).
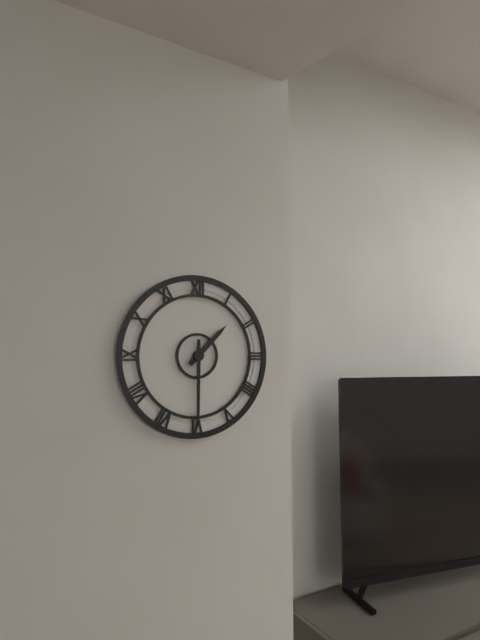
1:30
